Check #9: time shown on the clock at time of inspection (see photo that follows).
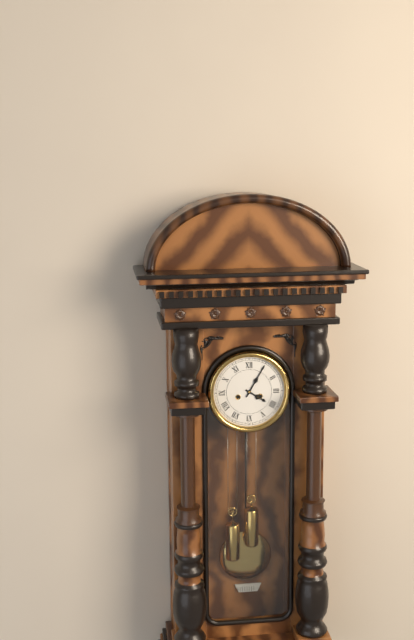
4:05
